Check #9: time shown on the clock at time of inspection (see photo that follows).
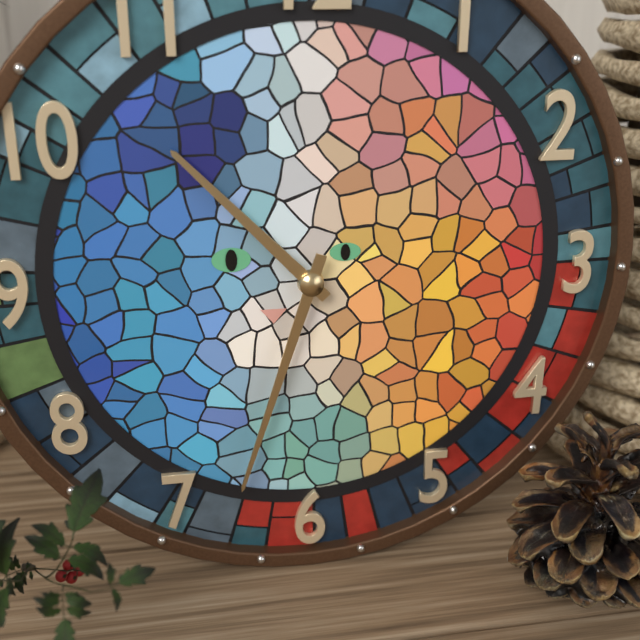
10:33
